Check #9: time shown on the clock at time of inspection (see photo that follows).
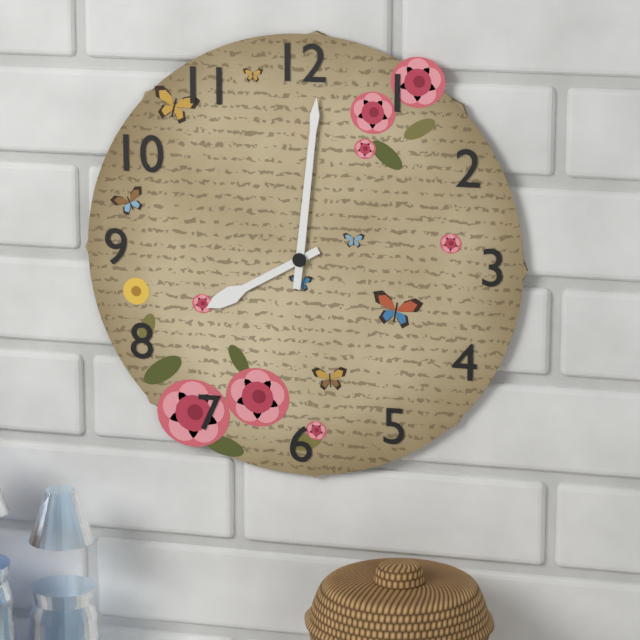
8:01
